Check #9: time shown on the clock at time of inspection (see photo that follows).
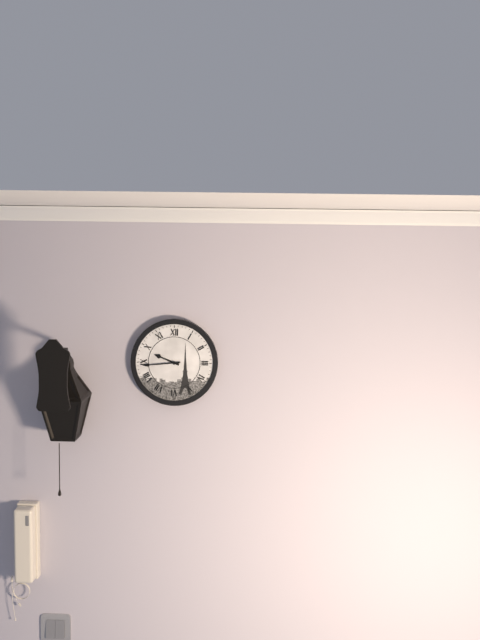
9:44
